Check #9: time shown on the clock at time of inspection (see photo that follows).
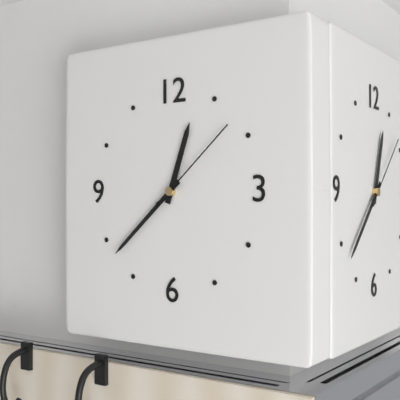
12:38:08
